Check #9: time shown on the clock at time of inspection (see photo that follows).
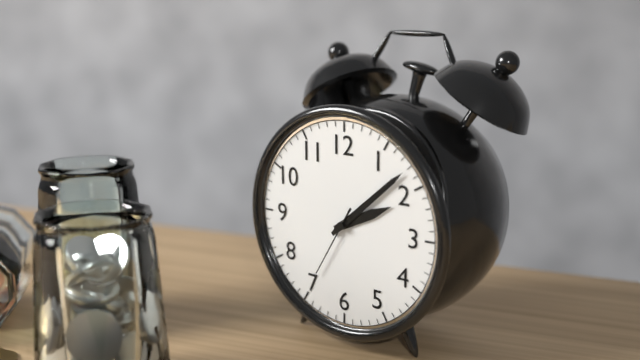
2:08:35
